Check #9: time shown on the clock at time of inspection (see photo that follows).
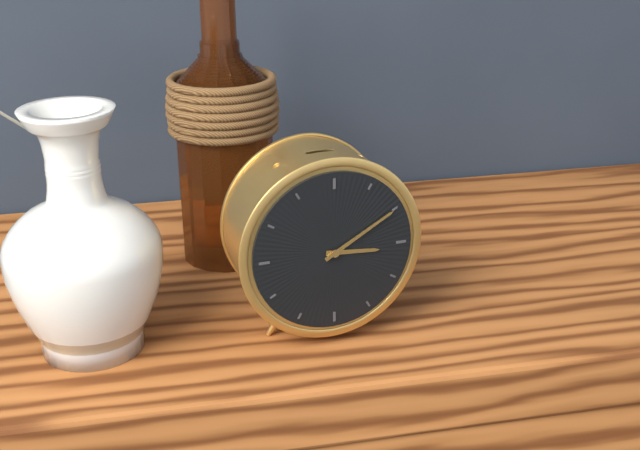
3:10
